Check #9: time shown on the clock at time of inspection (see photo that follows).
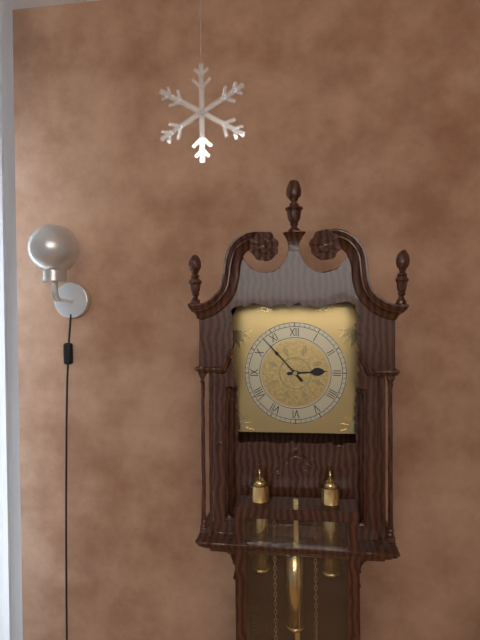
2:53
